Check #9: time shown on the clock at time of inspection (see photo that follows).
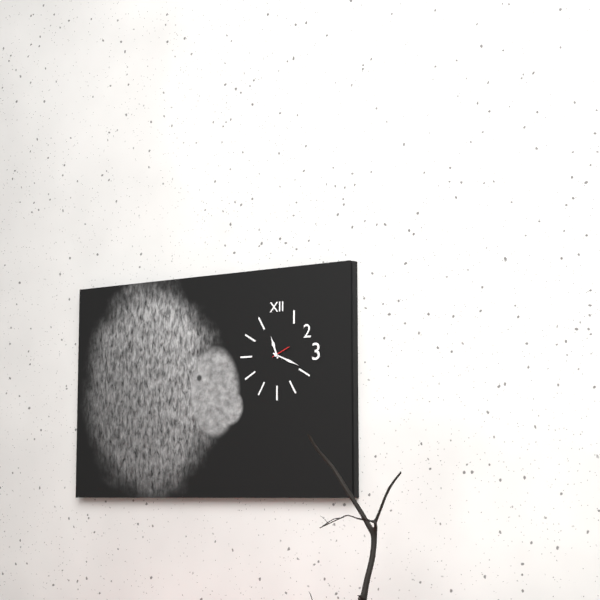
11:19
